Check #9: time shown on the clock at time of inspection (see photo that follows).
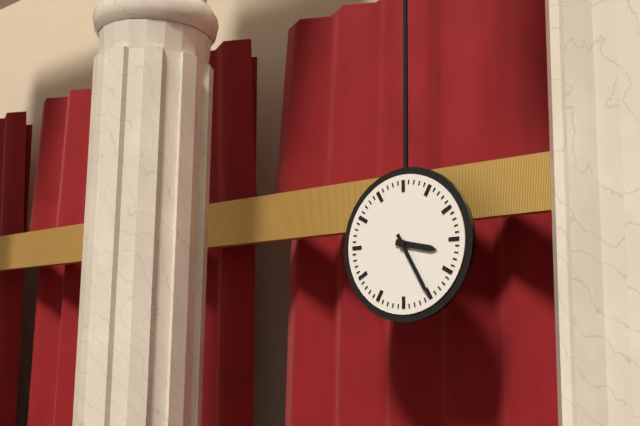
3:25
